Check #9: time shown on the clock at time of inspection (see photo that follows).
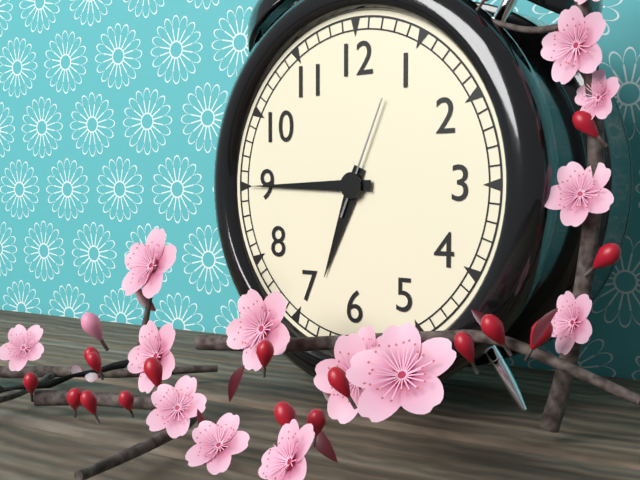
6:45:04
